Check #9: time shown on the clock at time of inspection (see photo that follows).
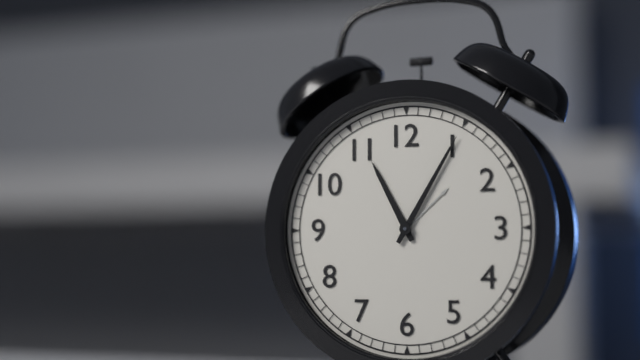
11:05
